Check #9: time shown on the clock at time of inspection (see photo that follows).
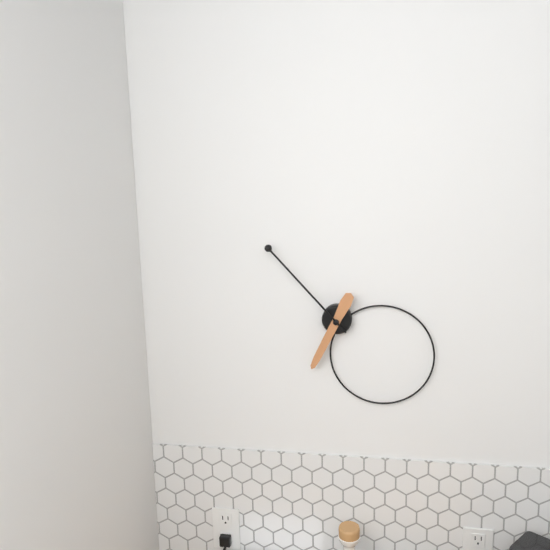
6:53
